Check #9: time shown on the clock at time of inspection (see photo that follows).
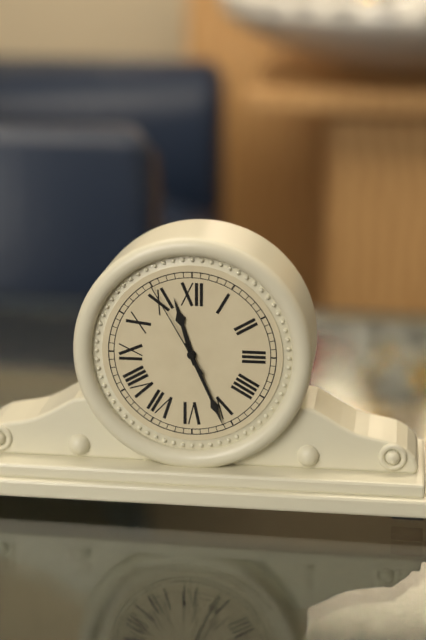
11:26:55
